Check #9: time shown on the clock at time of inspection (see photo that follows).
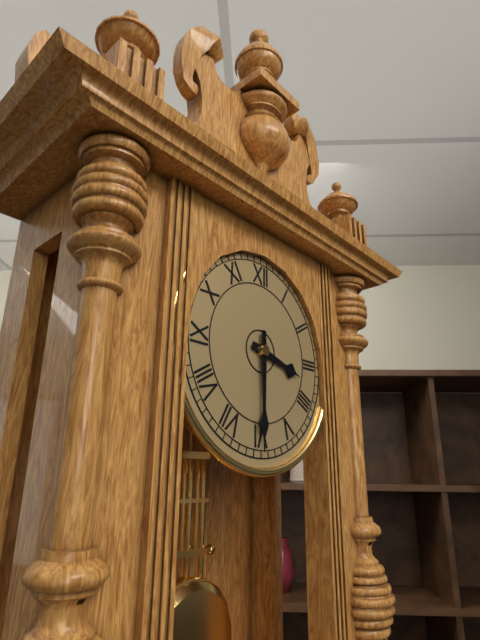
3:30
